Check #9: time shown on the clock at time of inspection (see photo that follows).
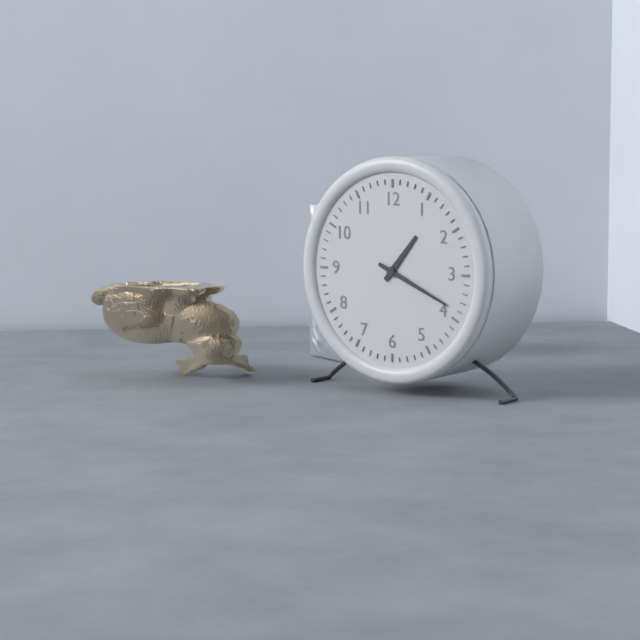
1:19
